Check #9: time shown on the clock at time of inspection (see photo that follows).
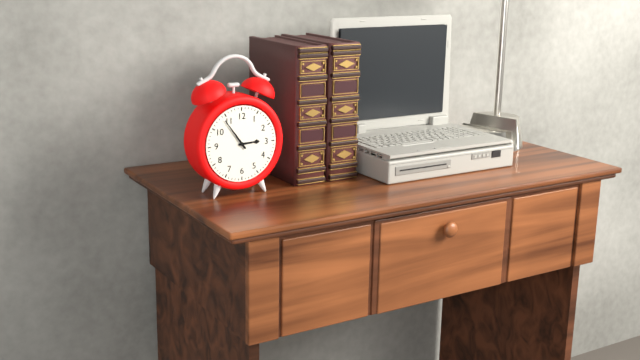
2:54
